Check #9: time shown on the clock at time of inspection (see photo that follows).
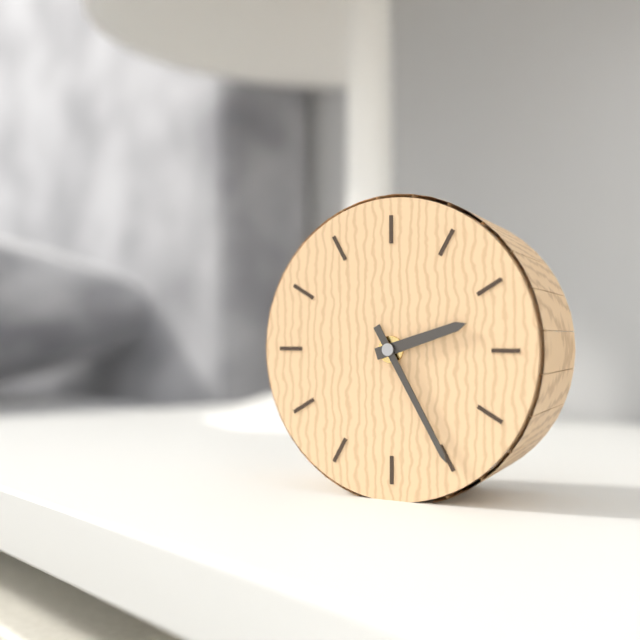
2:25
